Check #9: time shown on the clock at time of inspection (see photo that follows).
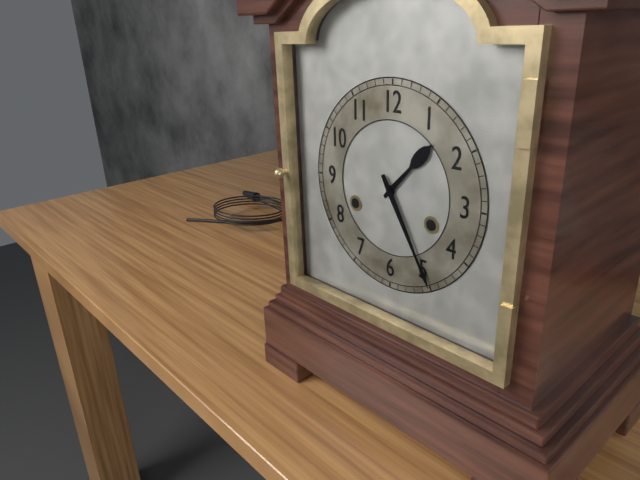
1:25
